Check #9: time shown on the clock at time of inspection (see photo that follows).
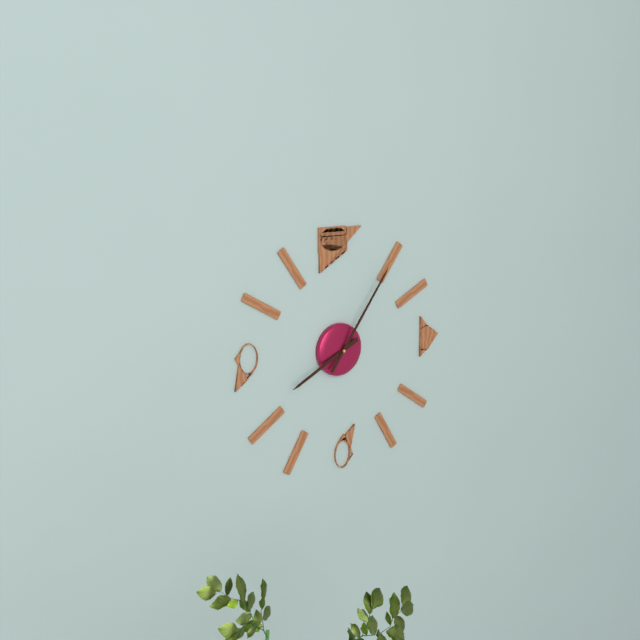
8:06
